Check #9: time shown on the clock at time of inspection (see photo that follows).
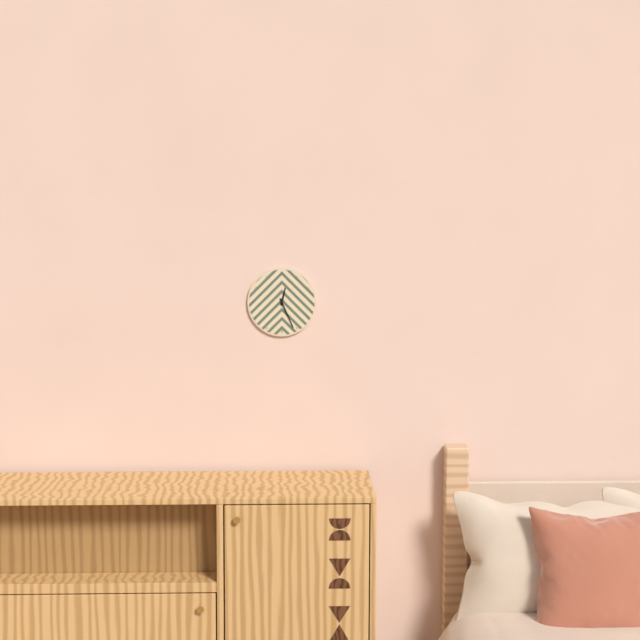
12:26
